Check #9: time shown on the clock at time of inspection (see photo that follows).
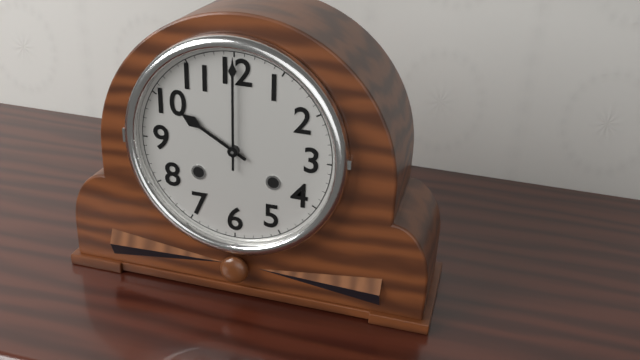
10:00
